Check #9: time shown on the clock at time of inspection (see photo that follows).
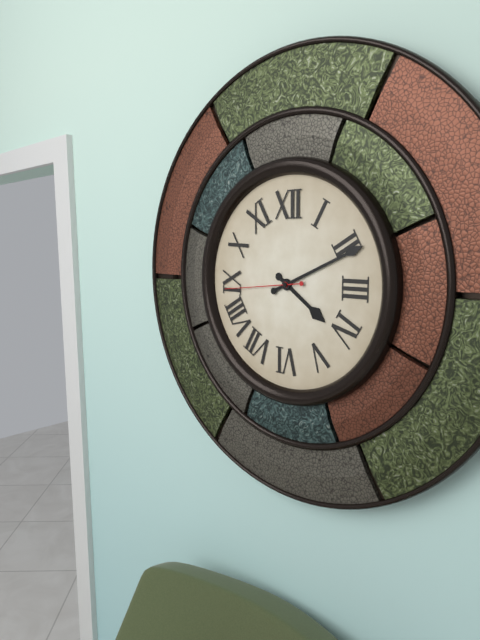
4:11:44
